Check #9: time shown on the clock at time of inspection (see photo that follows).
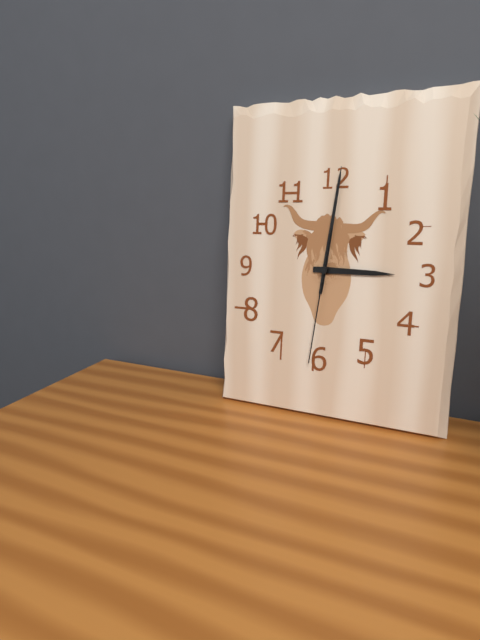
3:01:31
